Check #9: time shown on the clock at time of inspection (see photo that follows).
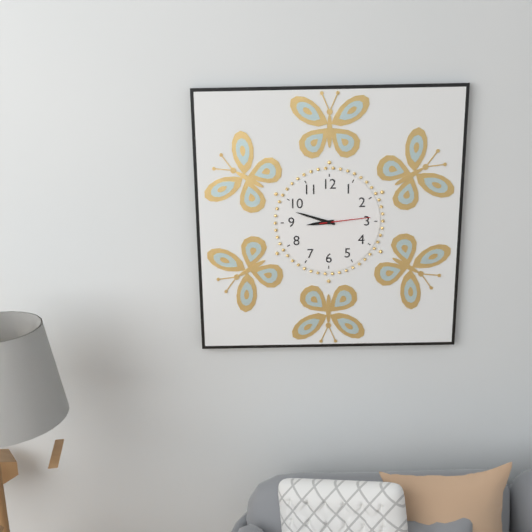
8:48:14
